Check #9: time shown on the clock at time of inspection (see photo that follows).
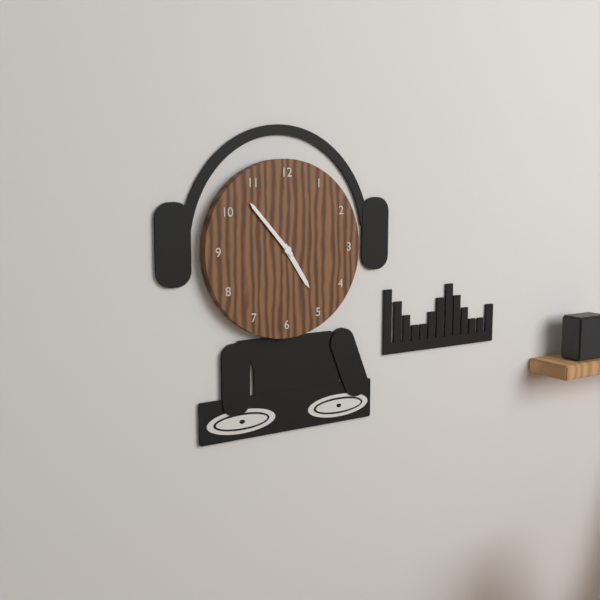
4:53
